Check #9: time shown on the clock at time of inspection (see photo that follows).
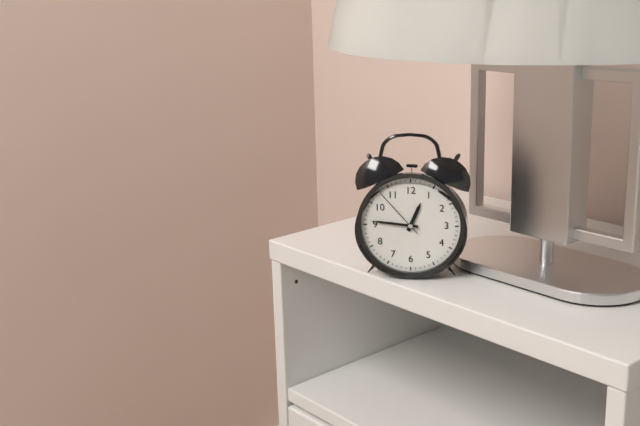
12:46:53
